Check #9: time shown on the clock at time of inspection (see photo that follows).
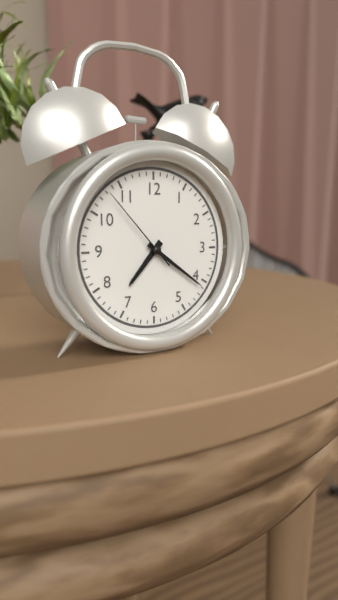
7:21:53
